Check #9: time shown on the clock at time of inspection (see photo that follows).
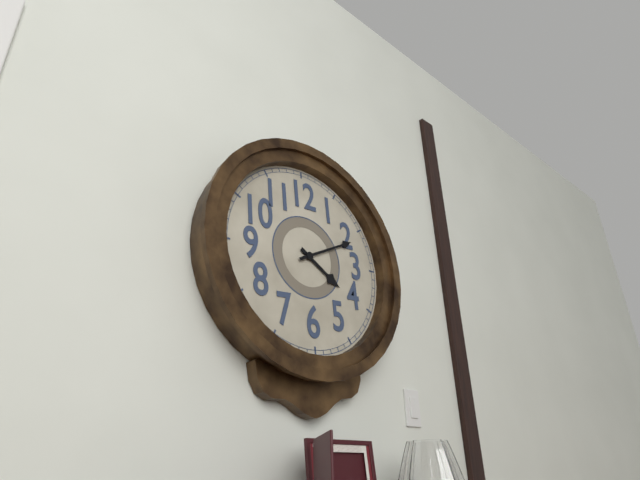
4:11
